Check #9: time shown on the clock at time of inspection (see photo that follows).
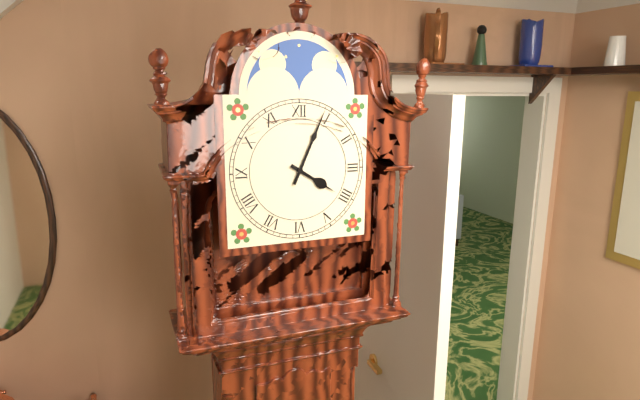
4:04
